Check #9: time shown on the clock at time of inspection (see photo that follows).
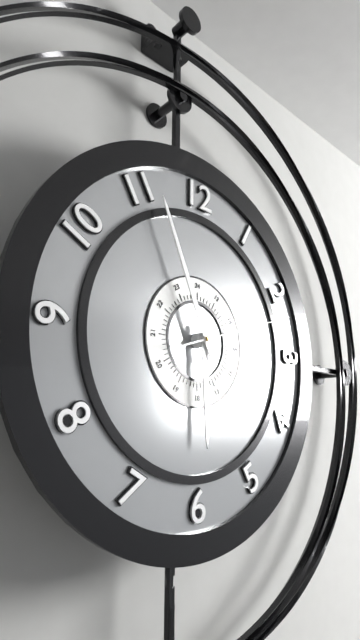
5:56:12
